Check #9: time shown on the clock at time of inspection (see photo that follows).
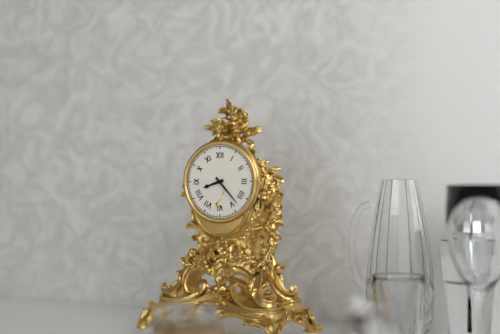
8:23
